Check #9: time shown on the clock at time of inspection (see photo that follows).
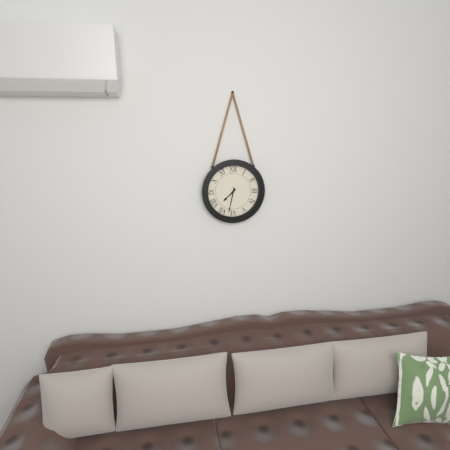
7:32
